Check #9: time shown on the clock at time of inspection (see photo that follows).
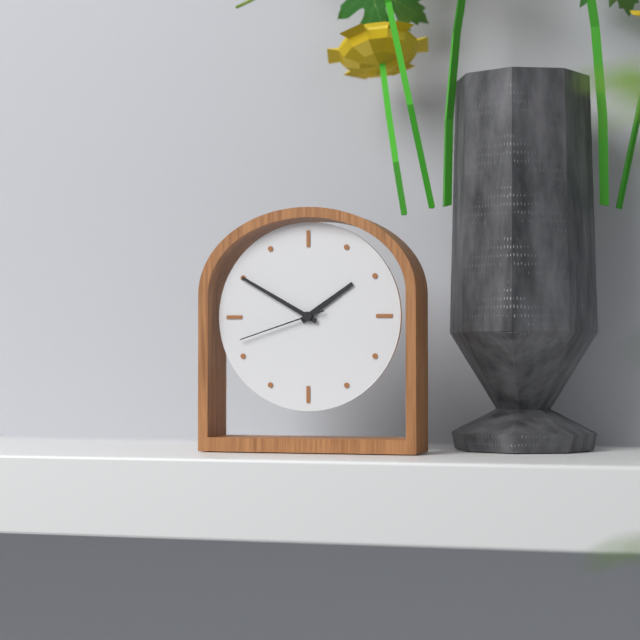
1:50:42
